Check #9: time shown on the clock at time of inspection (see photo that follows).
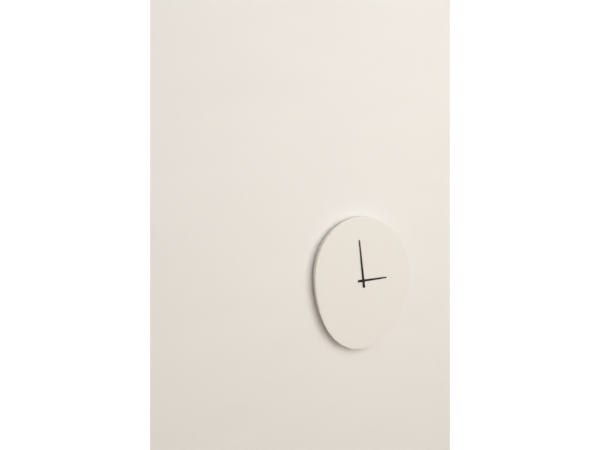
2:59
